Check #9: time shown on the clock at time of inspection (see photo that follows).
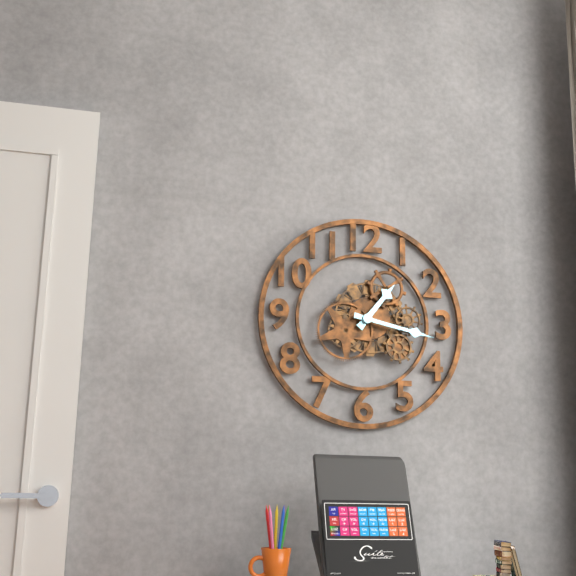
1:17
